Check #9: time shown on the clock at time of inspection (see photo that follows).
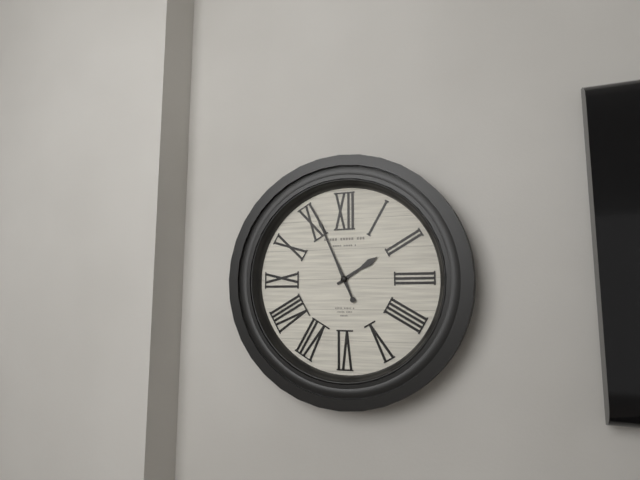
1:56
